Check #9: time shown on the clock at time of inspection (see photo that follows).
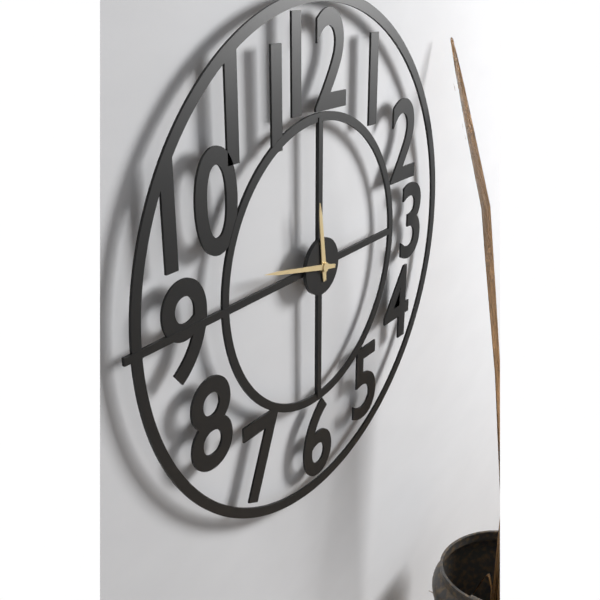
11:47
